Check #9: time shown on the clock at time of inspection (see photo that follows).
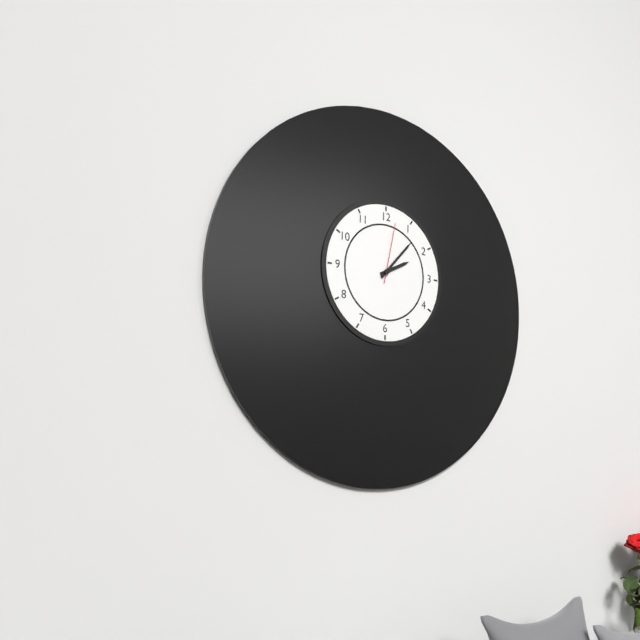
2:07:02
